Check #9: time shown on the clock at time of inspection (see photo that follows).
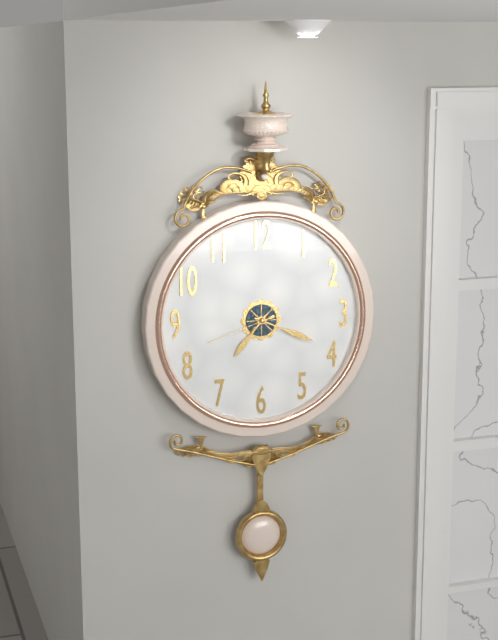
7:19:42
